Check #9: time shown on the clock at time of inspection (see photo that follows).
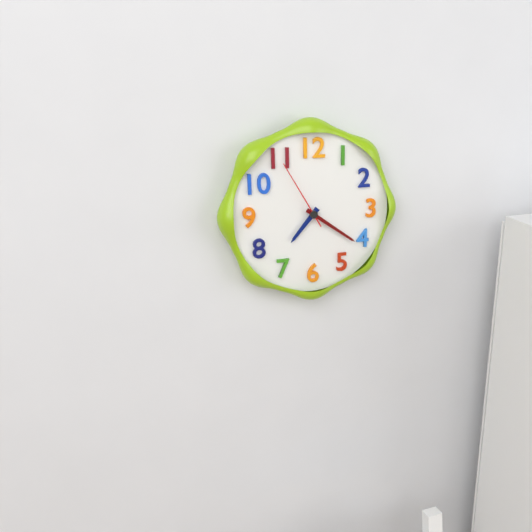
7:21:55
